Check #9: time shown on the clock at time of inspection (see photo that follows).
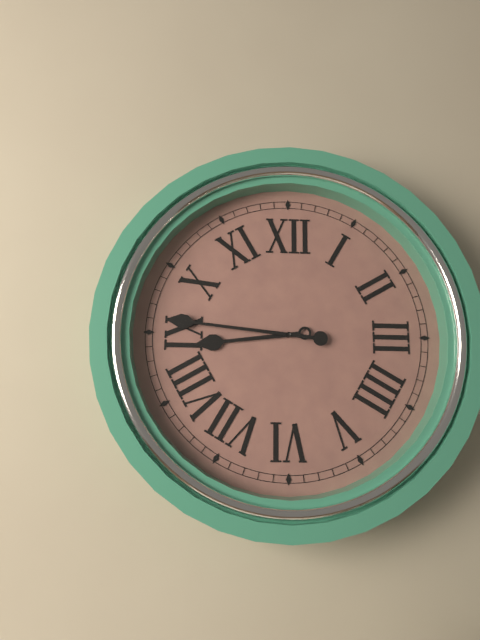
8:46
